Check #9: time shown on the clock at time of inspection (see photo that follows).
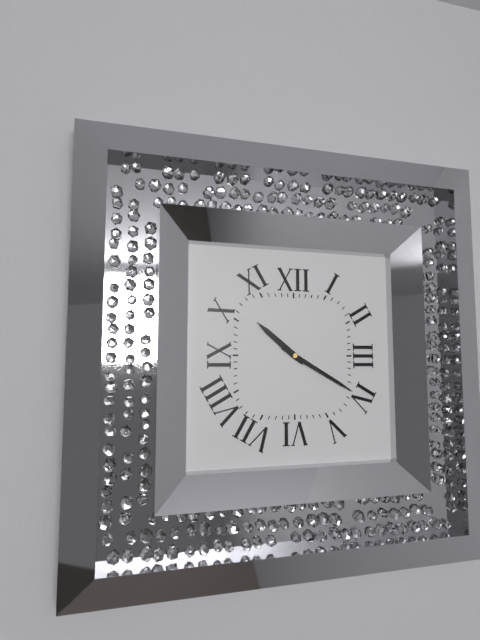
10:20
